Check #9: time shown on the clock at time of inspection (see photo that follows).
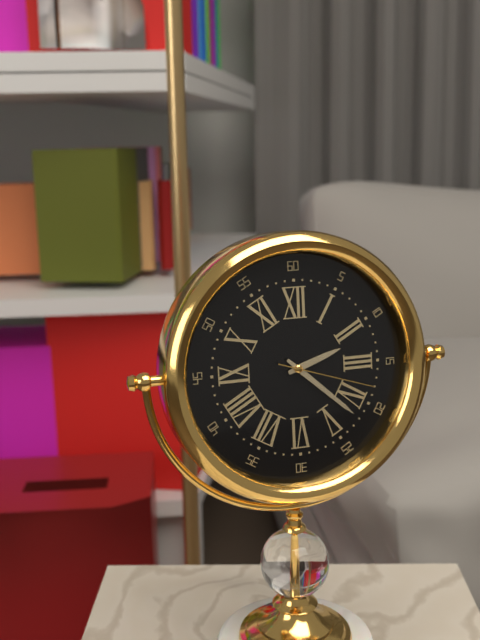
2:22:18
